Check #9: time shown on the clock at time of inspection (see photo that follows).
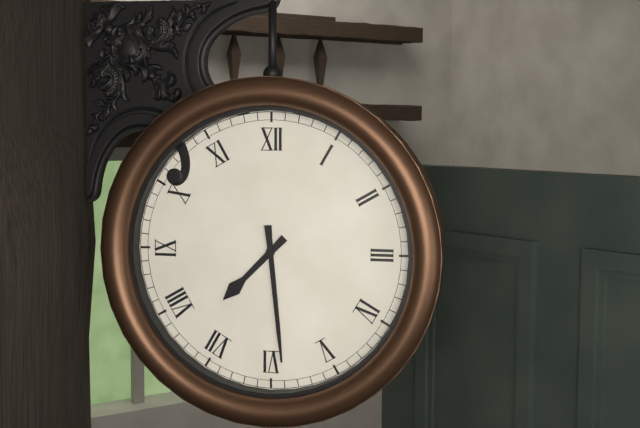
7:29
